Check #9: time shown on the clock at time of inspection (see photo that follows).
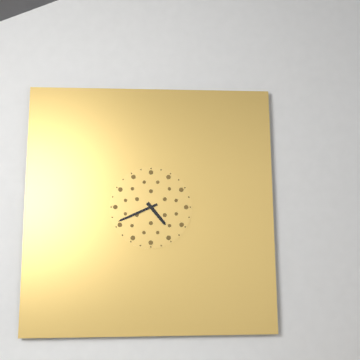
4:41
